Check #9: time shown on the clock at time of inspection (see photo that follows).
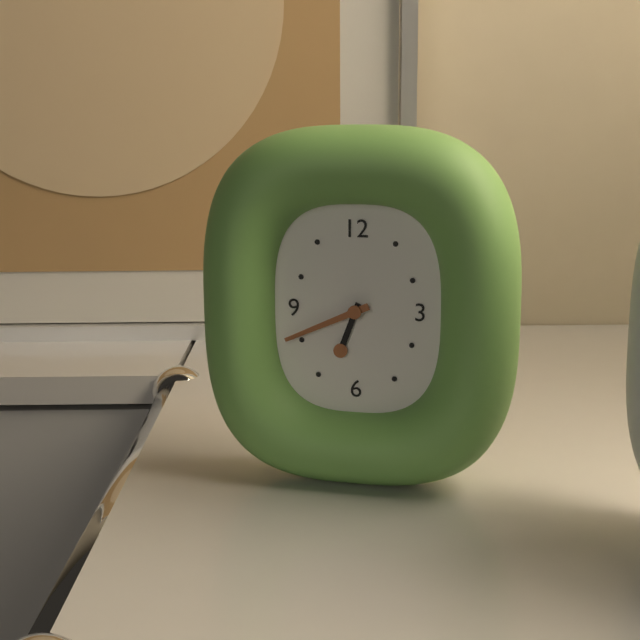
6:41
